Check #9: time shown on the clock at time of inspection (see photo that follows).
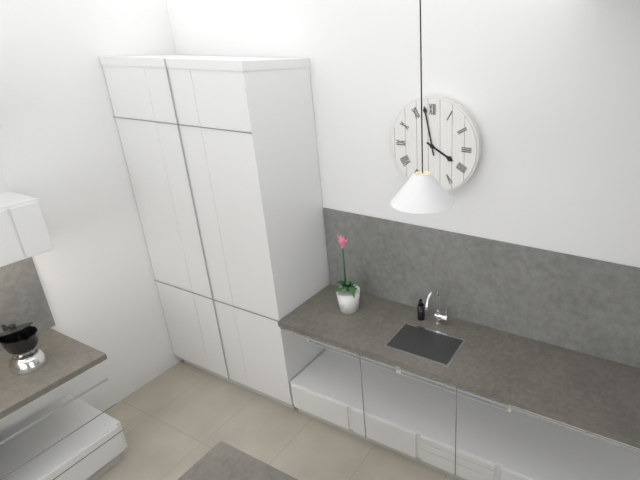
3:58
